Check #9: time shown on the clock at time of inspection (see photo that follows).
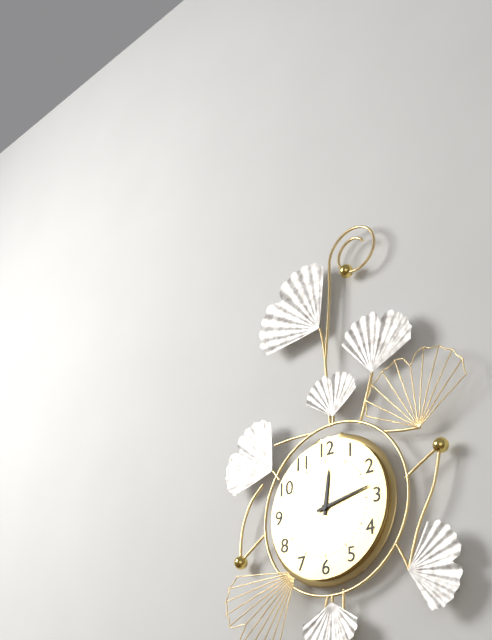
12:13
